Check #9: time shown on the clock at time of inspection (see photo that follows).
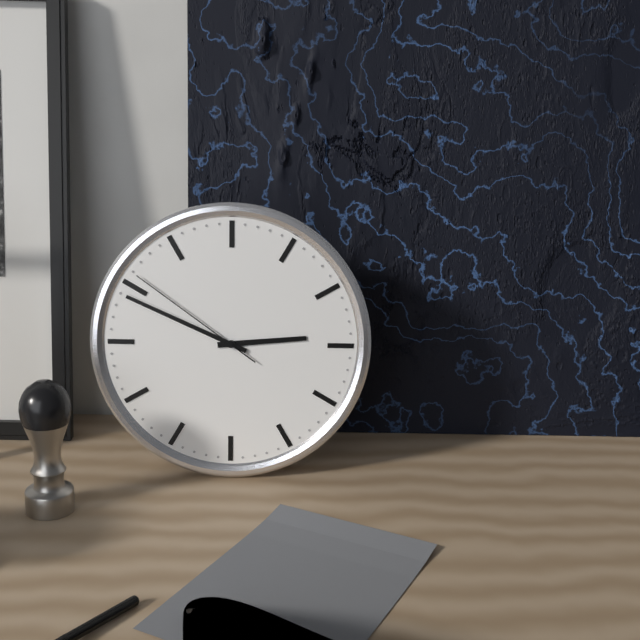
2:49:51
